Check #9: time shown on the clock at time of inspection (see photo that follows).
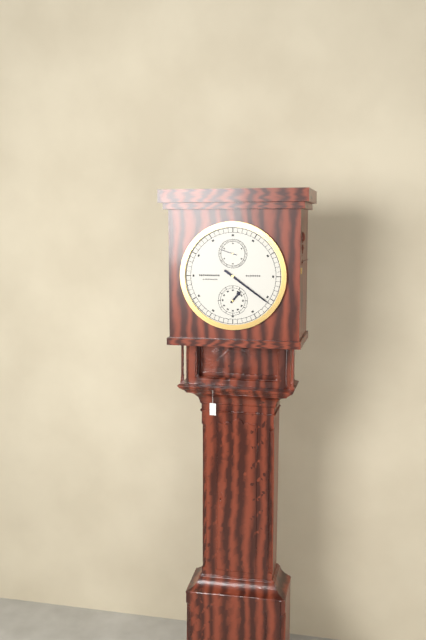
1:21
